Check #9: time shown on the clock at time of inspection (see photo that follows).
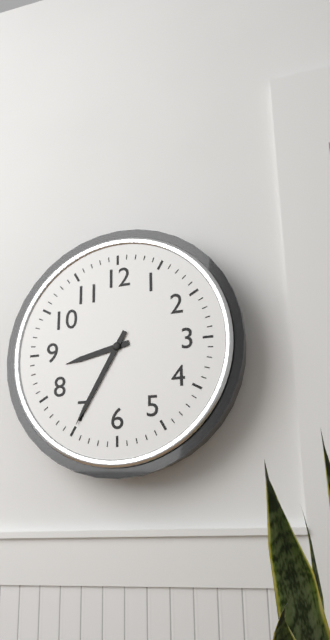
8:35
